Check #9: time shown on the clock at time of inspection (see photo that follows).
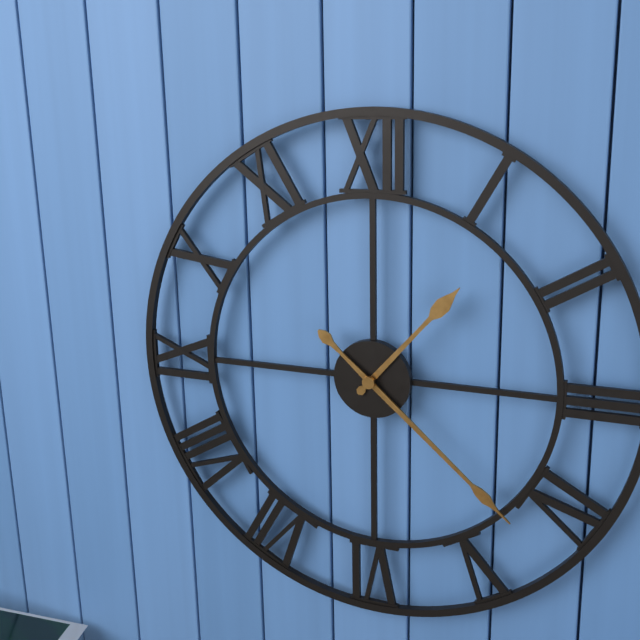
1:22
